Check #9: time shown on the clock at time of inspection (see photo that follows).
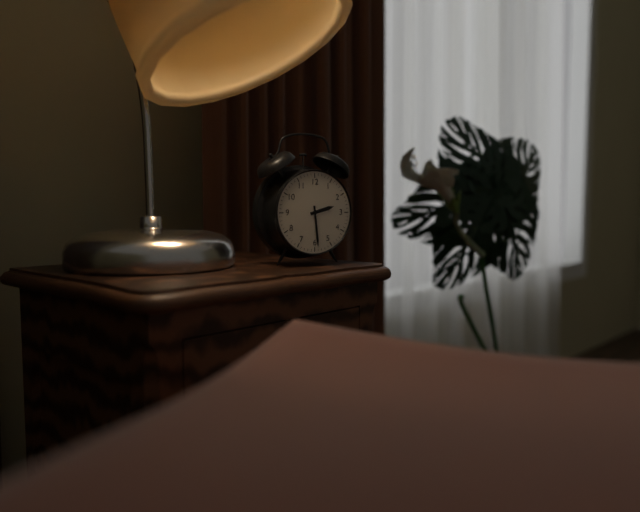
2:29
